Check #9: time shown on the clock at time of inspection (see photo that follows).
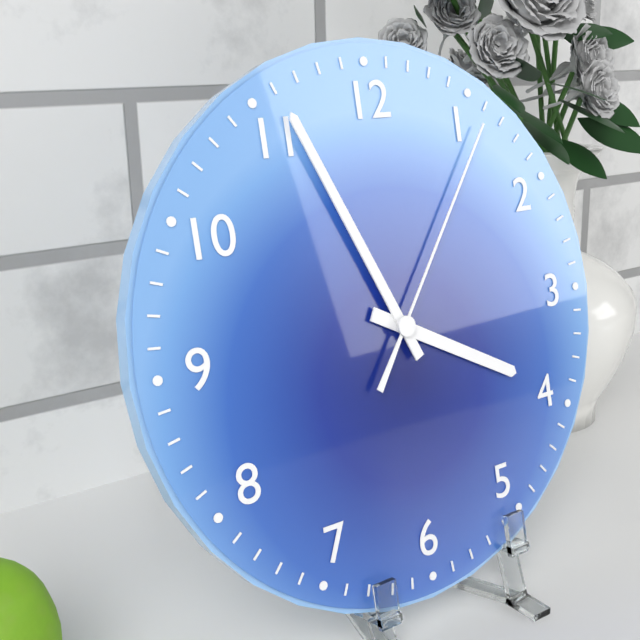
3:56:06
